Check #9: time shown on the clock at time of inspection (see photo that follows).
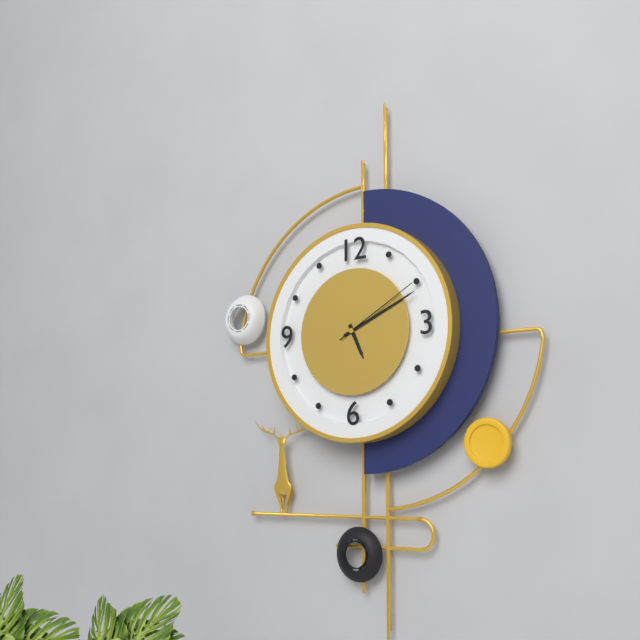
5:11:10
